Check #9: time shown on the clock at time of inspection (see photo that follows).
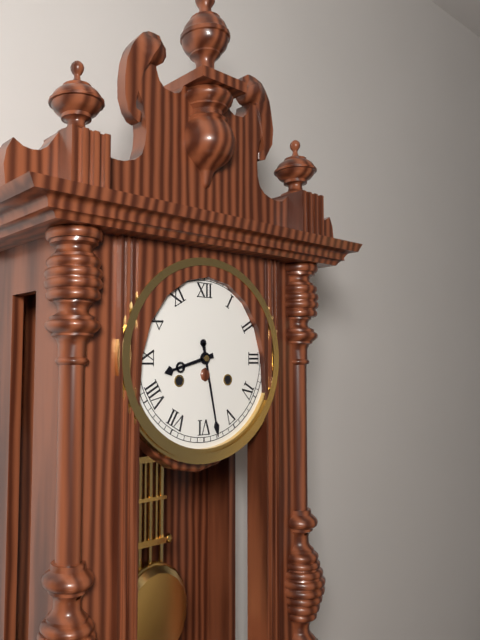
8:28
